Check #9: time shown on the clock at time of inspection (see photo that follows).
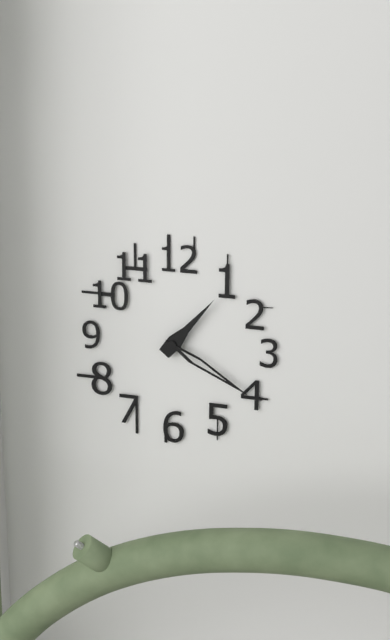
1:20
